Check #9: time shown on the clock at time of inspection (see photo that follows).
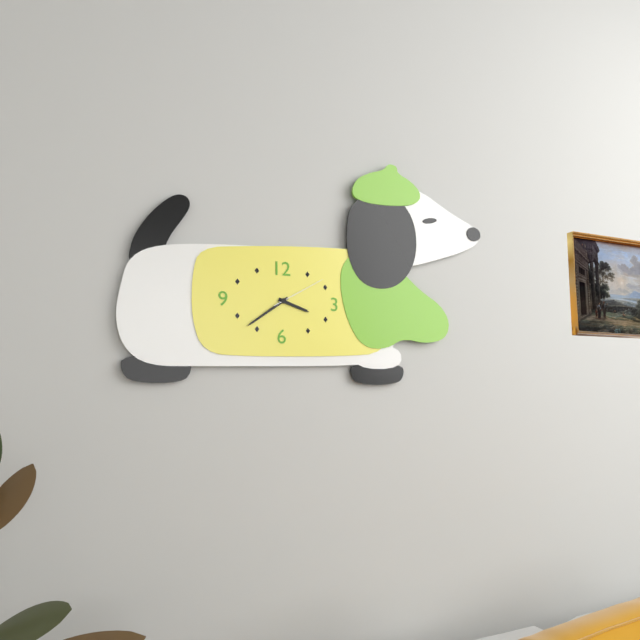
3:39:10
